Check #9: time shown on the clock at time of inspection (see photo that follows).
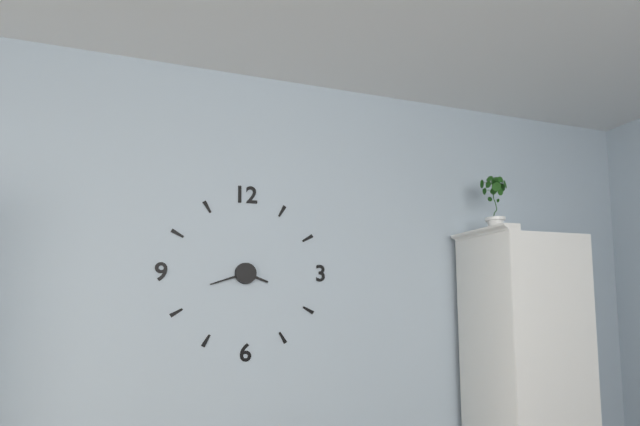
3:42
